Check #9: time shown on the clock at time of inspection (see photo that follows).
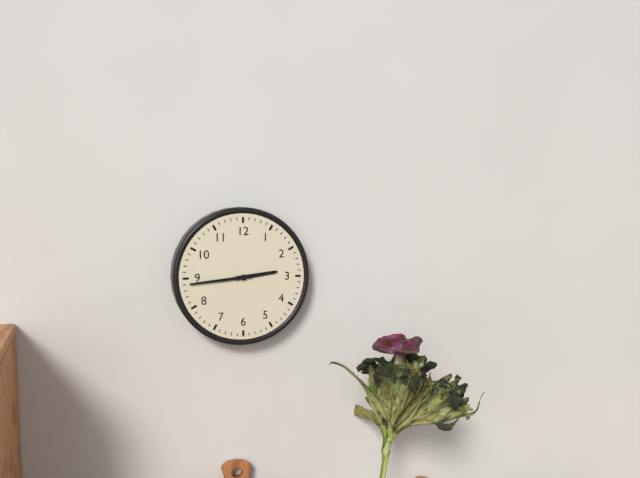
2:44
